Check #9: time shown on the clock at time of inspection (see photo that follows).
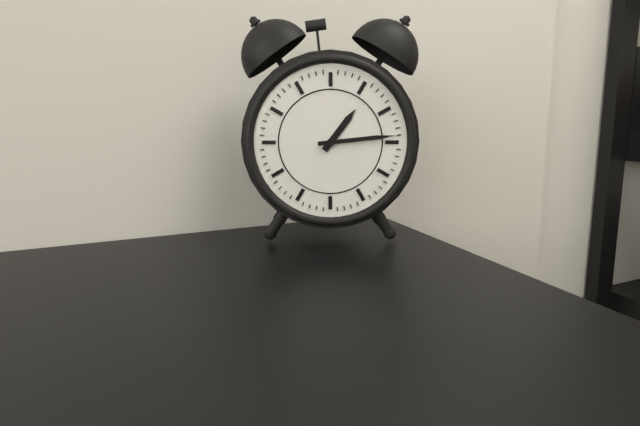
1:14
